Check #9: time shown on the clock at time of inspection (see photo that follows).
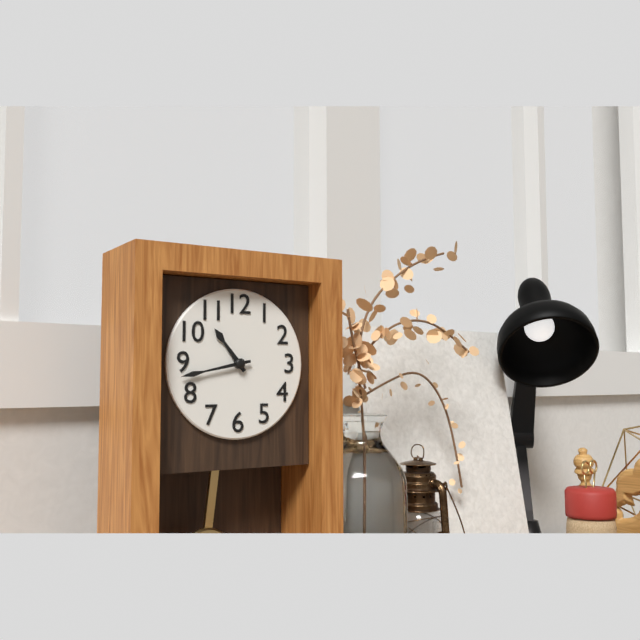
10:43
